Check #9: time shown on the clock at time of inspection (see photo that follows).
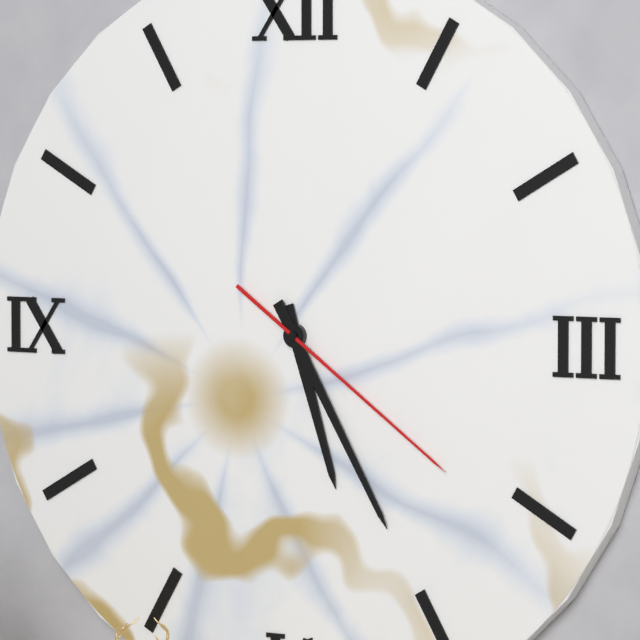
5:25:21
